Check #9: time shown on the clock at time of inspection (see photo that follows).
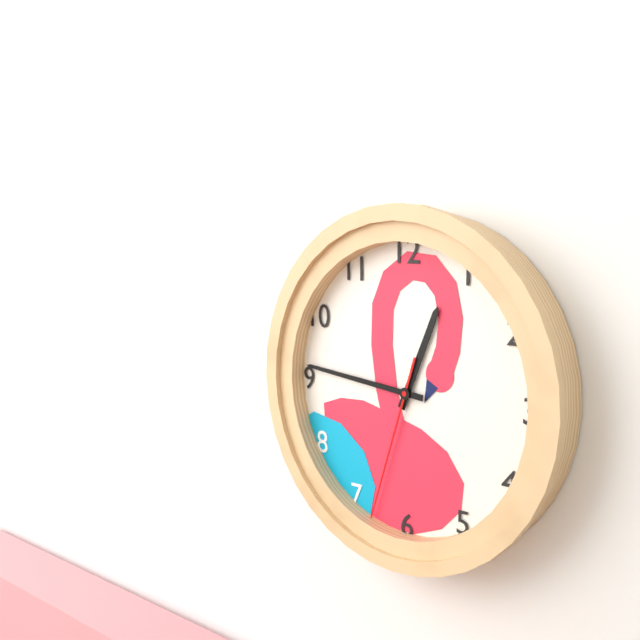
12:46:33
